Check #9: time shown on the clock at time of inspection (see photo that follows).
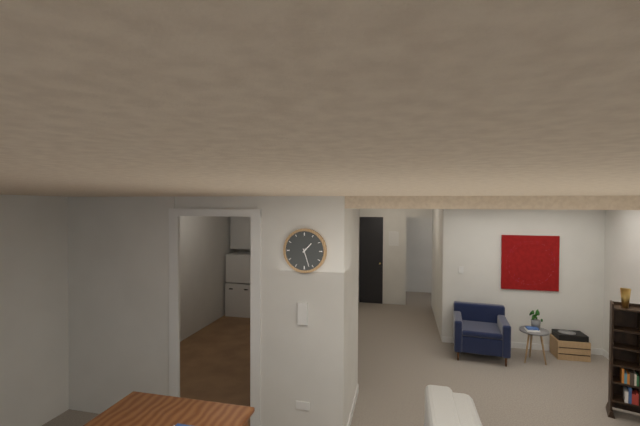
1:27
